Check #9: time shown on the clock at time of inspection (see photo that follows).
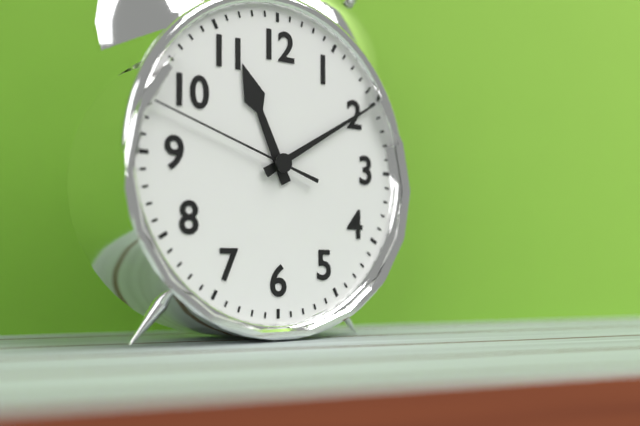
11:10:48
